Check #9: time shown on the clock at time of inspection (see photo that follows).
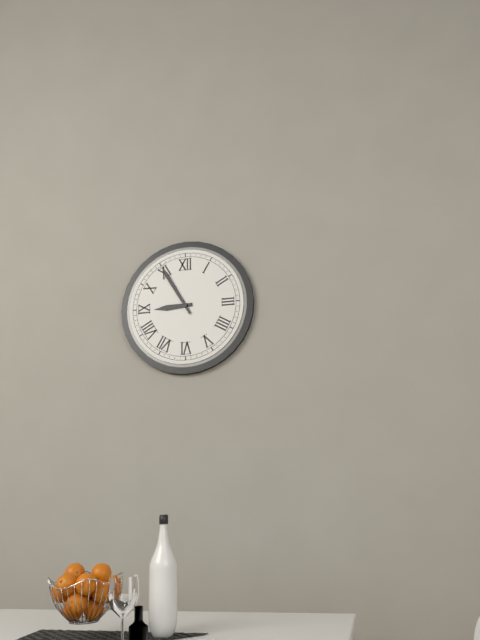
8:55
